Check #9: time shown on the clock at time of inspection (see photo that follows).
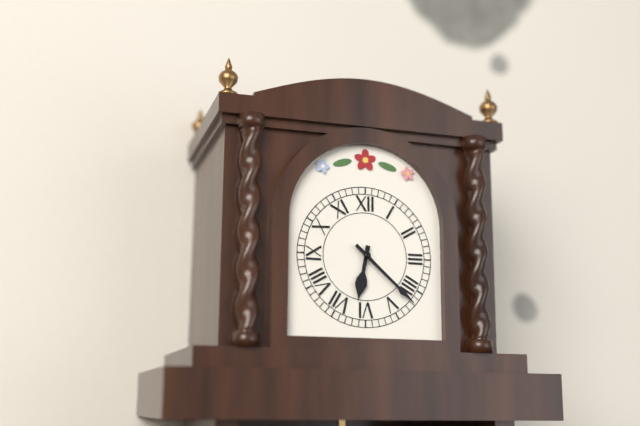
6:22
